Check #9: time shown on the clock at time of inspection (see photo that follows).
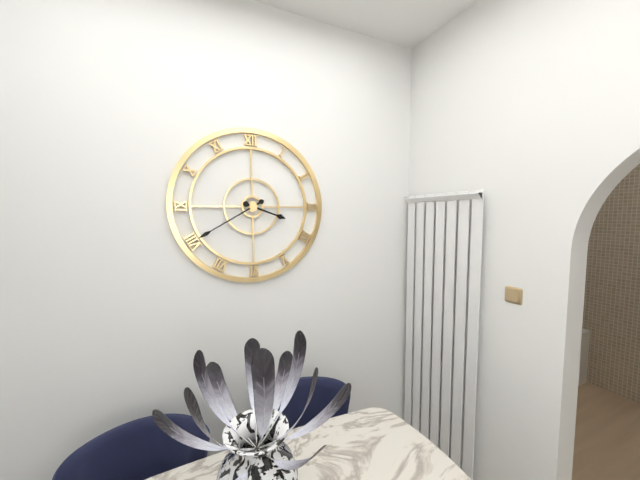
3:40
